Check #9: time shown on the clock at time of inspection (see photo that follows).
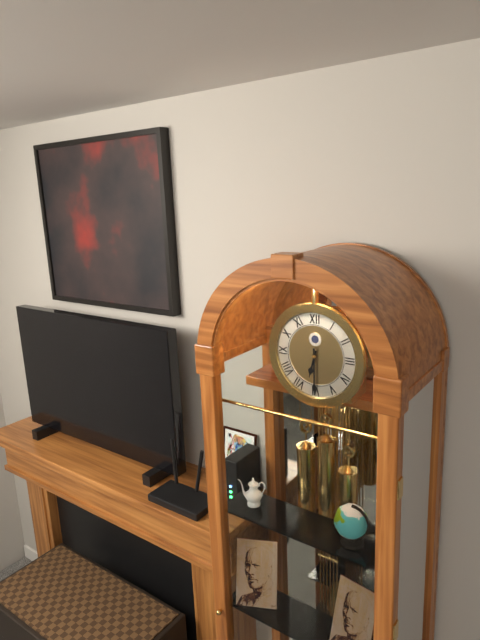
6:30
